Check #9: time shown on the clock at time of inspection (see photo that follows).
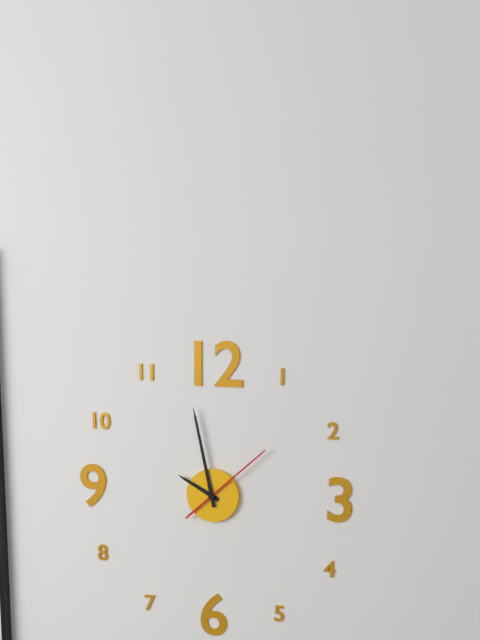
9:58:08
